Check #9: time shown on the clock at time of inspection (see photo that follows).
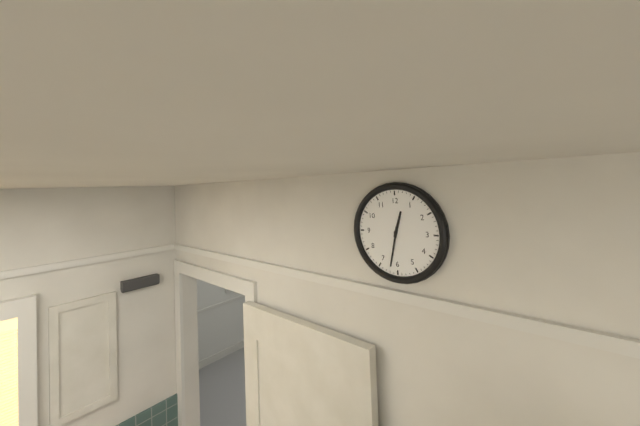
12:32
